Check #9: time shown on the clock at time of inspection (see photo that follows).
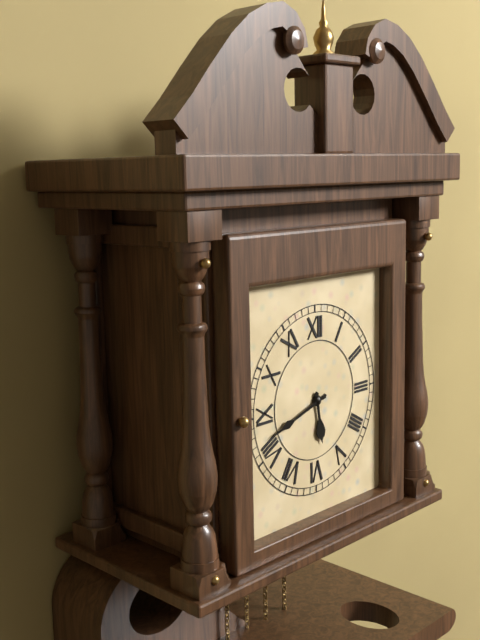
5:42
